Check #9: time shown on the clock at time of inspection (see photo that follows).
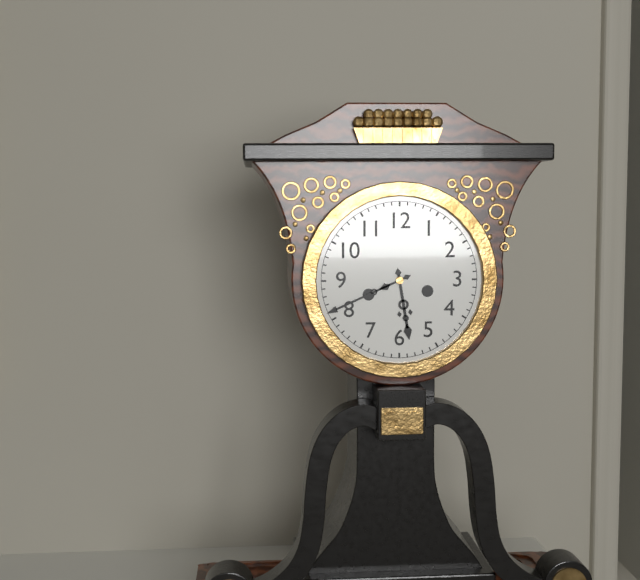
5:41
